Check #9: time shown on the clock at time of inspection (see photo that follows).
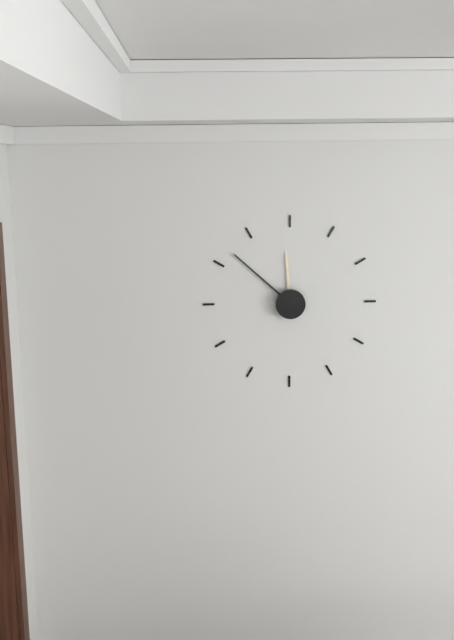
11:52
